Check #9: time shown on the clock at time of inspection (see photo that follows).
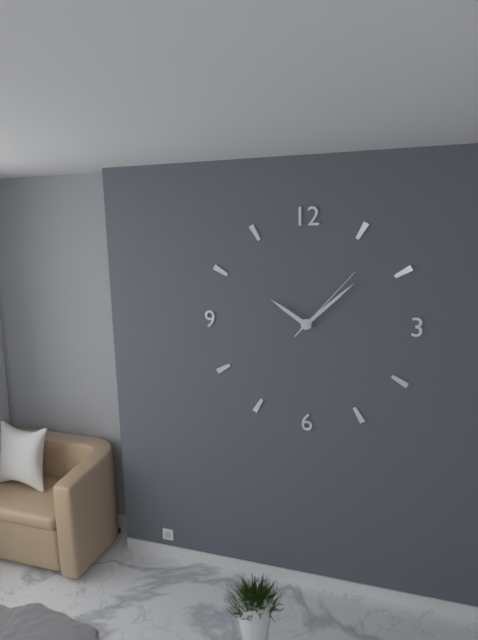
10:08:07
